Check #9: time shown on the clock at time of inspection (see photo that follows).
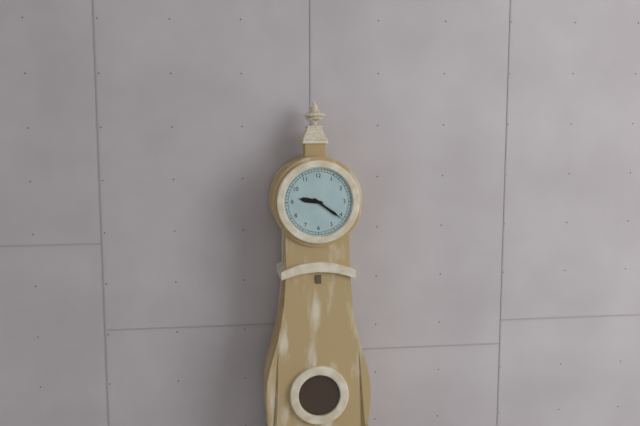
9:21
